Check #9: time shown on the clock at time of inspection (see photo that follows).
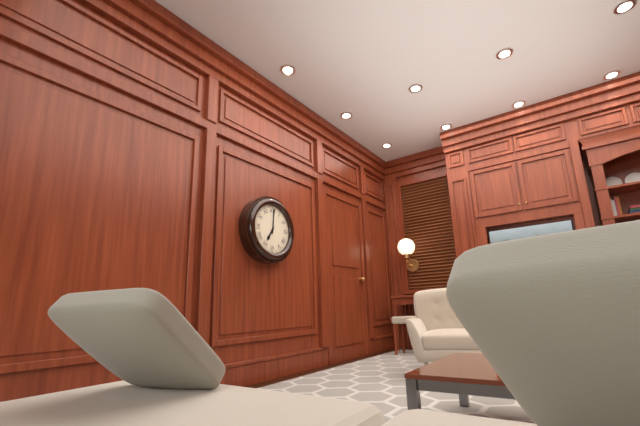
7:01
